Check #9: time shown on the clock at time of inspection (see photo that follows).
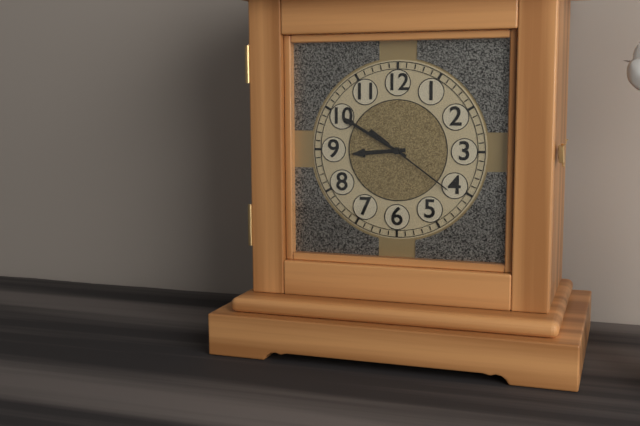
8:50:21
